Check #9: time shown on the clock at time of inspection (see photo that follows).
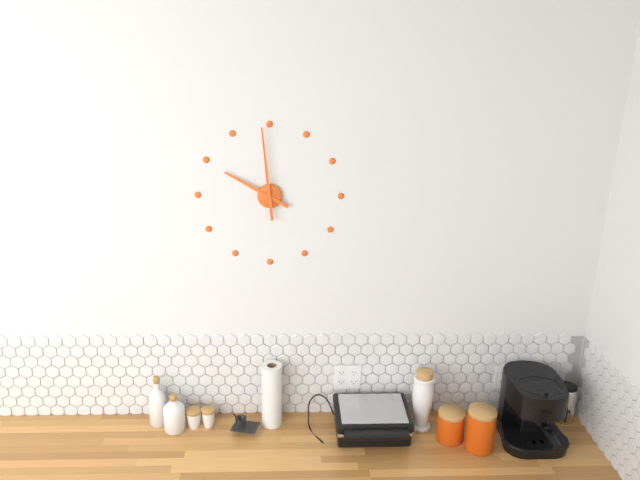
9:59
